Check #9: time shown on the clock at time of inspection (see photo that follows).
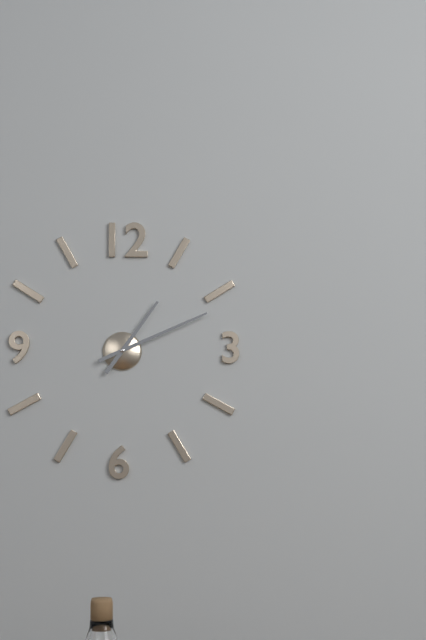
1:11
